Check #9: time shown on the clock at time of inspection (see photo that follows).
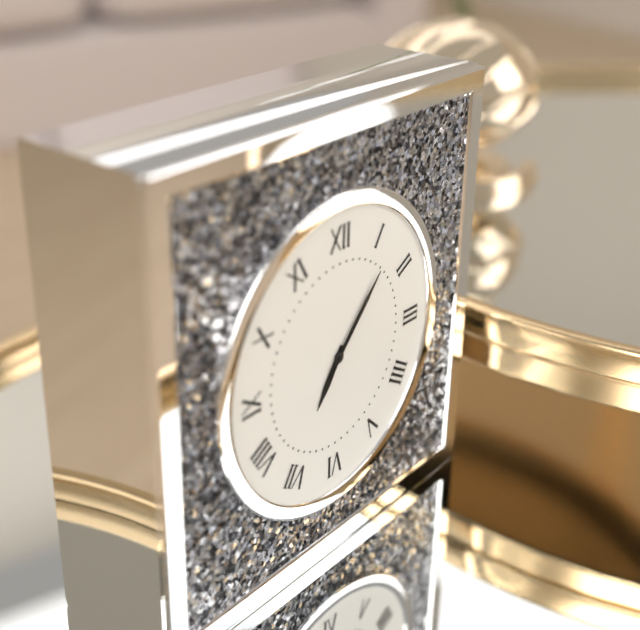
7:07
